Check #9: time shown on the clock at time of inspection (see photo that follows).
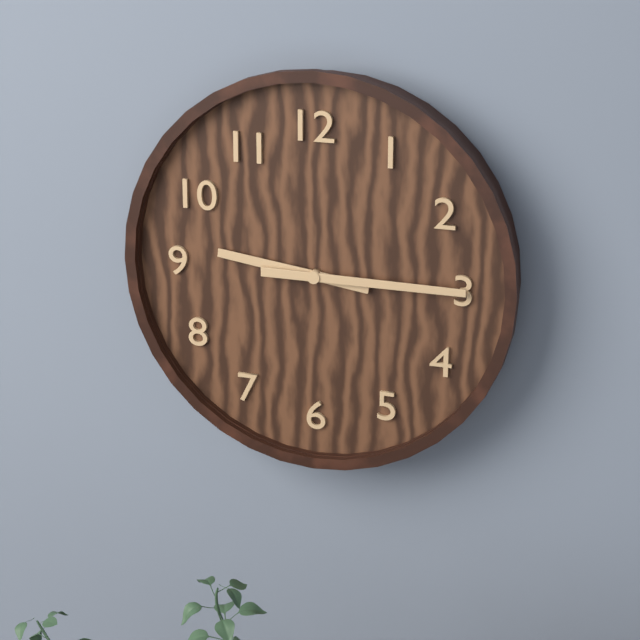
9:15
